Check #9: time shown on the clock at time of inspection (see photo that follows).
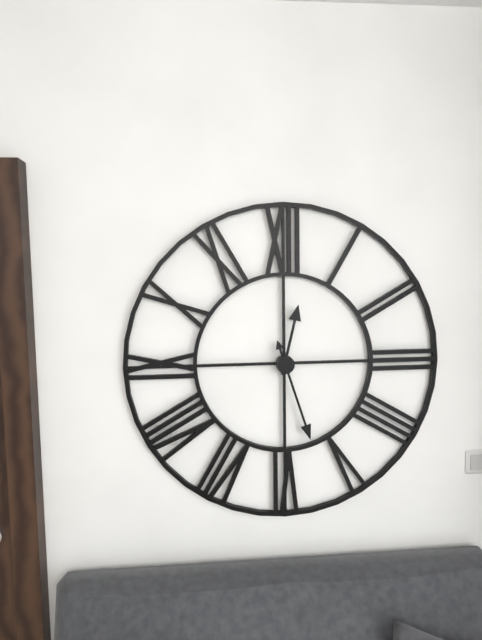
12:27
